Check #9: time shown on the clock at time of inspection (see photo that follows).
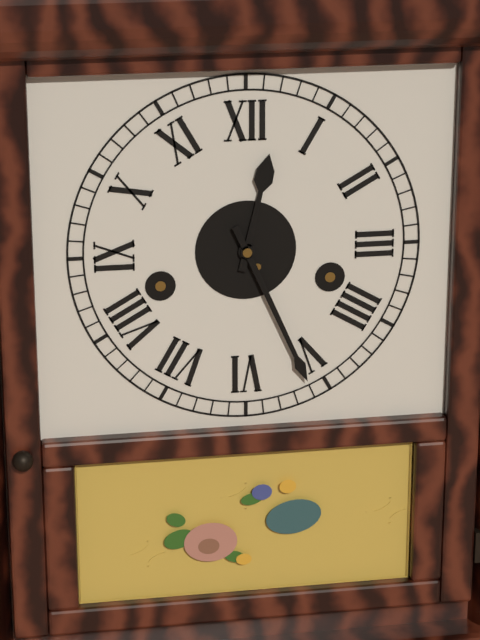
12:26
